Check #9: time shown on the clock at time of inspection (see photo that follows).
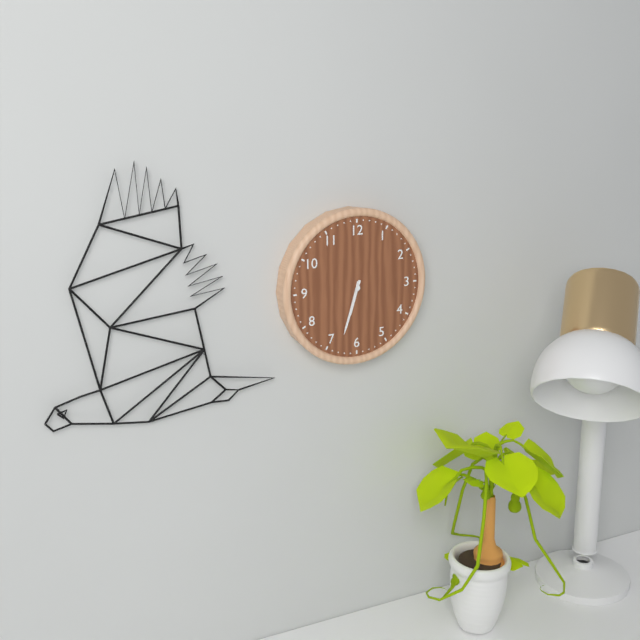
6:33
